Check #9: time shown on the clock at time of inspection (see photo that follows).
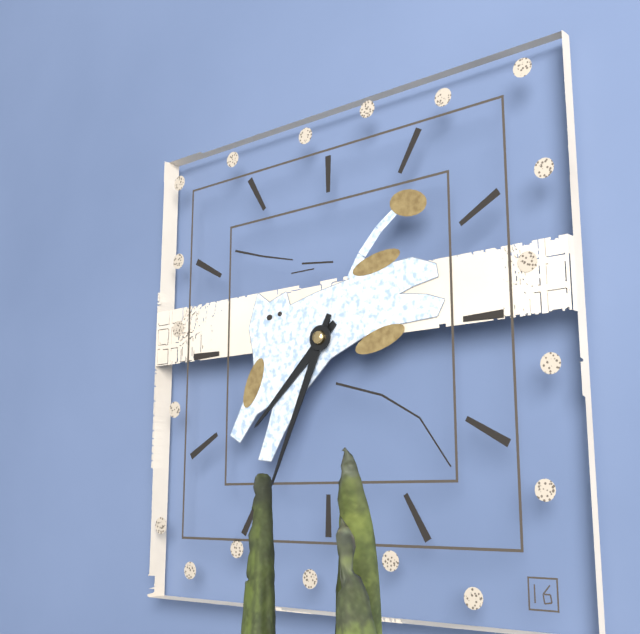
7:34
